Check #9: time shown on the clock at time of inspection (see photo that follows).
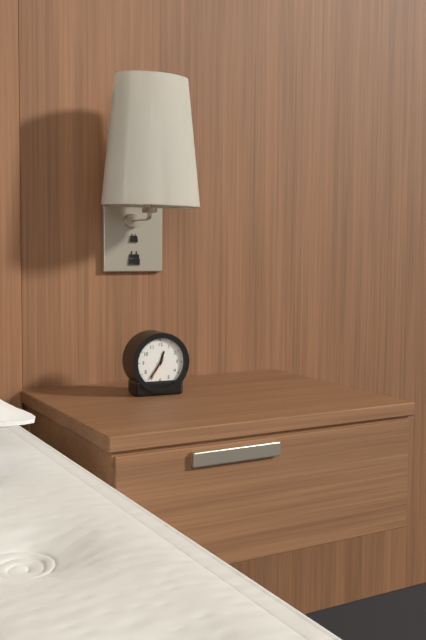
12:36
